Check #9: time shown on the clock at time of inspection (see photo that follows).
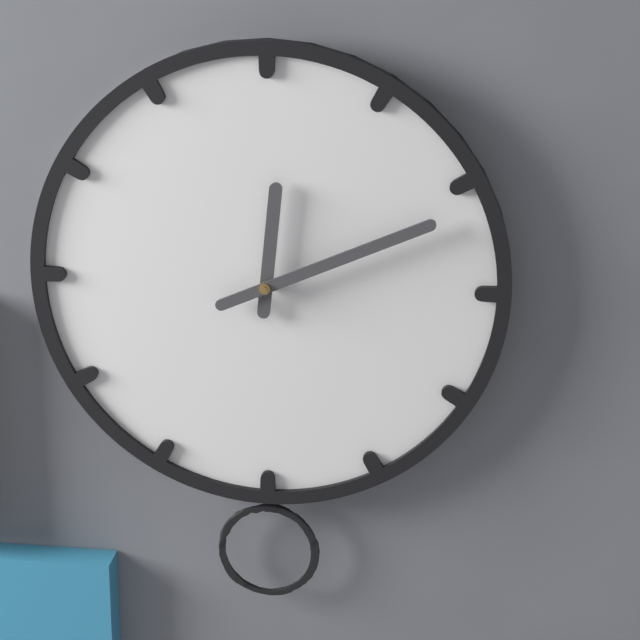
12:11
